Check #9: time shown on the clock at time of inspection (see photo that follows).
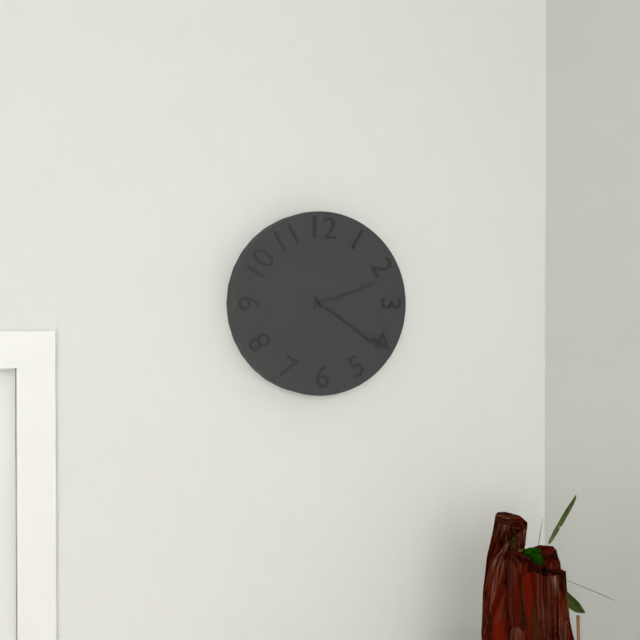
2:21
